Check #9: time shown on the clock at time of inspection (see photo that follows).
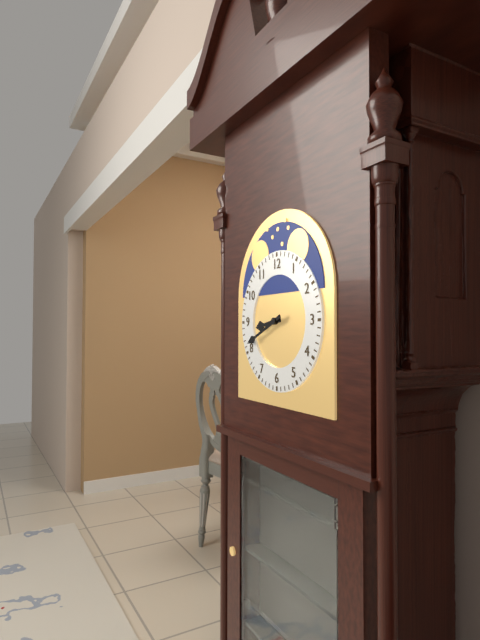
8:41
